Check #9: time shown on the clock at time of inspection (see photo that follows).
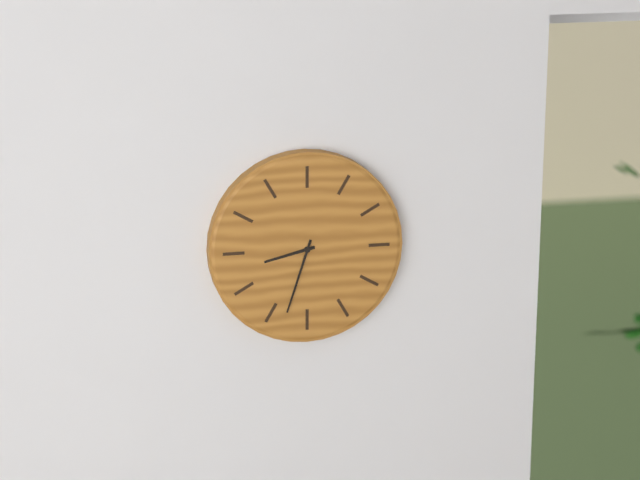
8:33
